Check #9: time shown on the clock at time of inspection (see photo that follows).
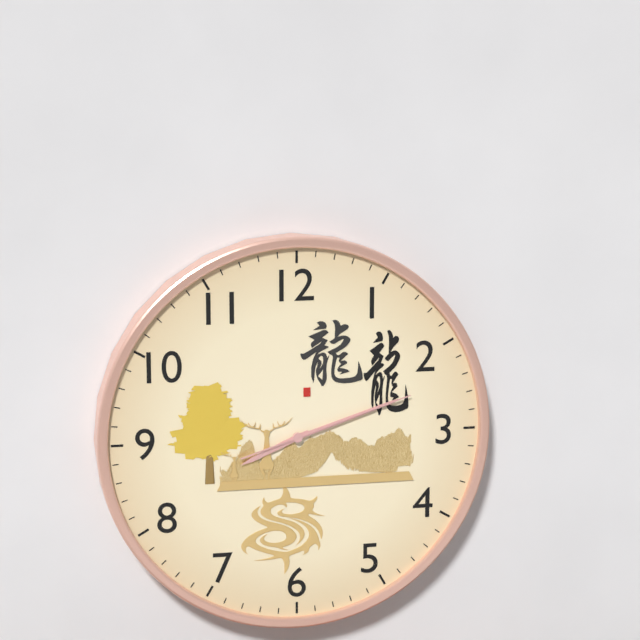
8:12:12
